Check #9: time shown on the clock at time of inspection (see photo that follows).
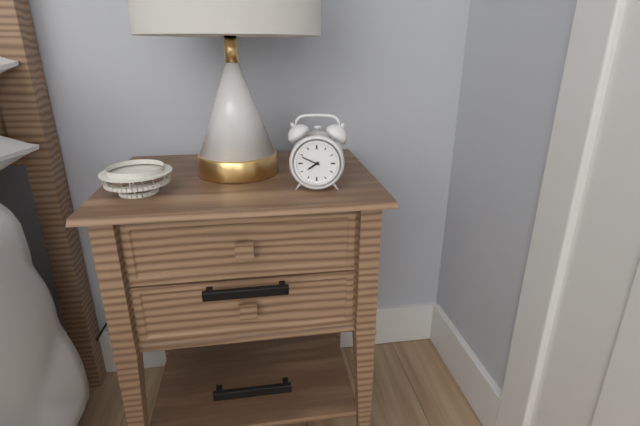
7:49
